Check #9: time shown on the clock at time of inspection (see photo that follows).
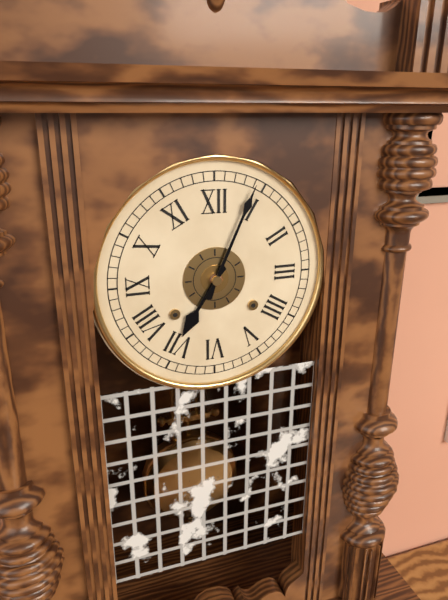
7:04
